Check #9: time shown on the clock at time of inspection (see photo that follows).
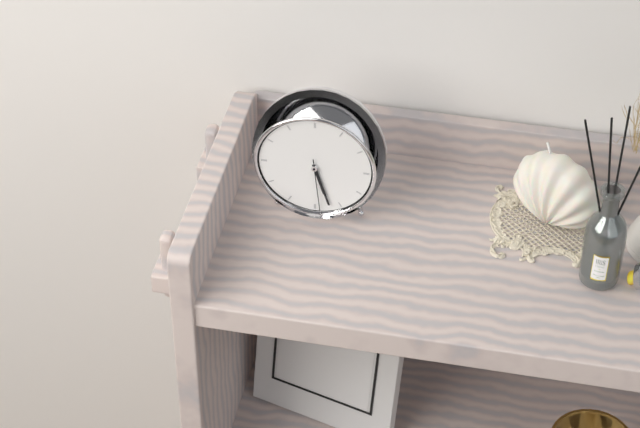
5:27:29
